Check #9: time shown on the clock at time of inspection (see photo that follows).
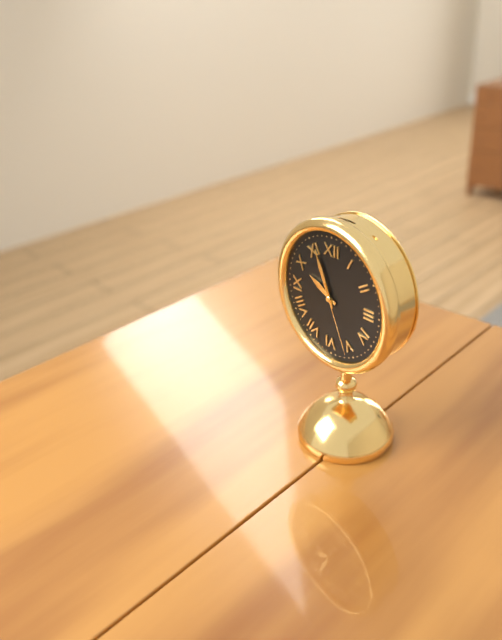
9:56:26
